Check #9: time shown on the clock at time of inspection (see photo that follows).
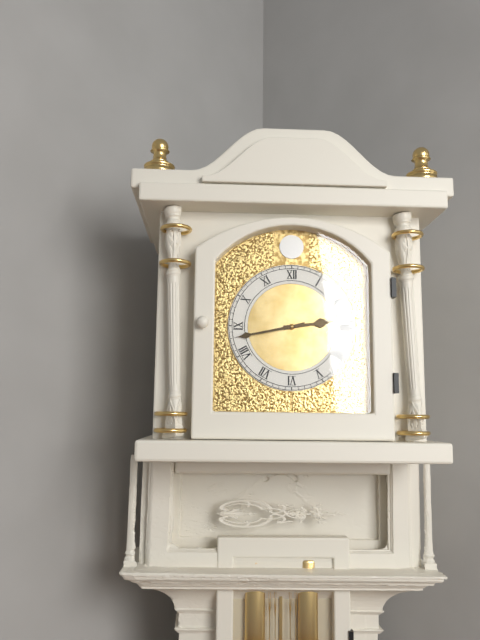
2:43
